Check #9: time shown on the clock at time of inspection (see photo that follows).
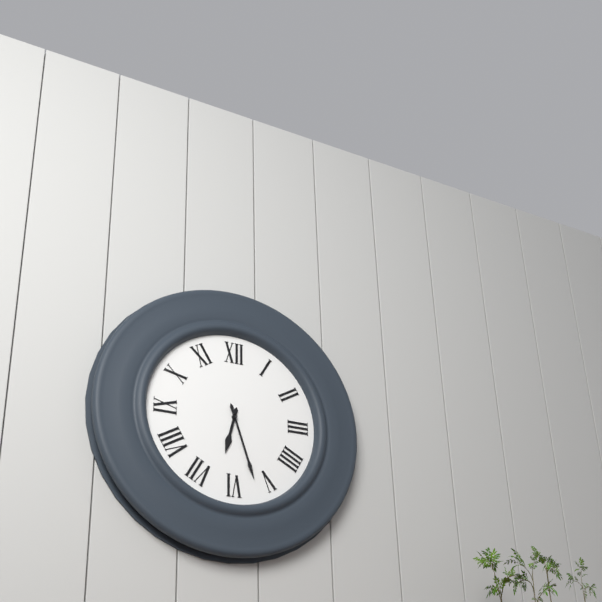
6:27
